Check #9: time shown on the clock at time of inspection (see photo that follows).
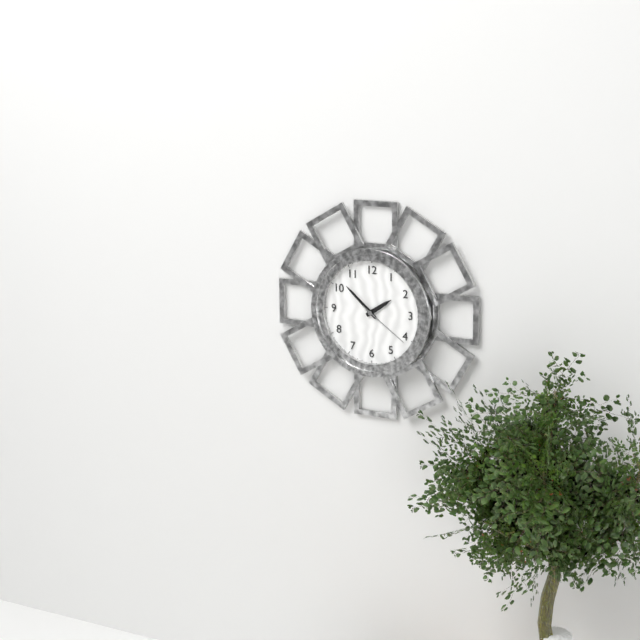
1:52:21
